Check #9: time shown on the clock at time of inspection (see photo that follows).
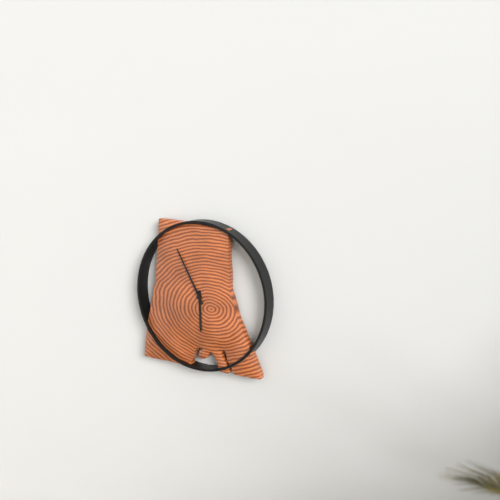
5:55
